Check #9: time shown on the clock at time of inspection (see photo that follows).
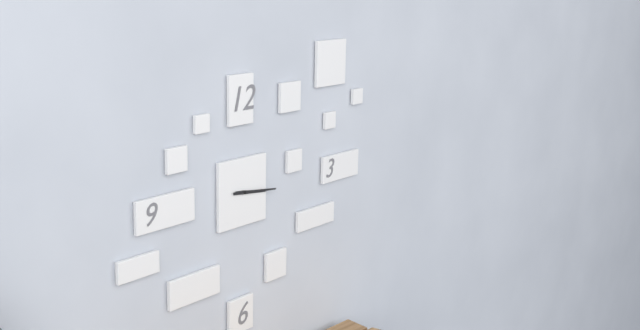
3:16
